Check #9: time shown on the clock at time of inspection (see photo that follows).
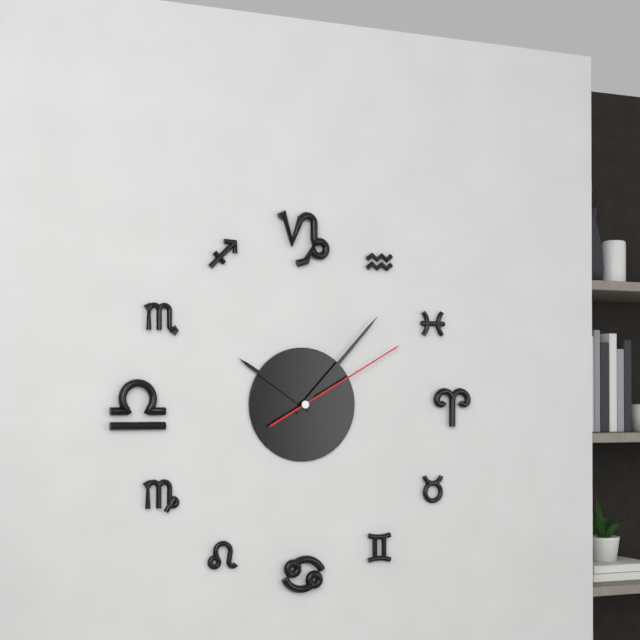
10:07:10
